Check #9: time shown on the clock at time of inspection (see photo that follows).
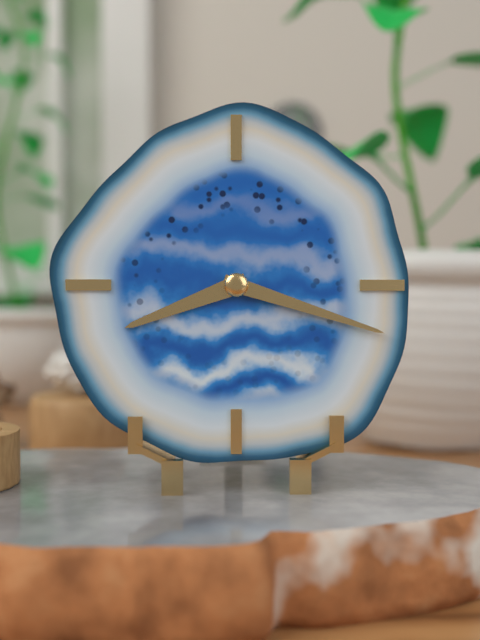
8:18
